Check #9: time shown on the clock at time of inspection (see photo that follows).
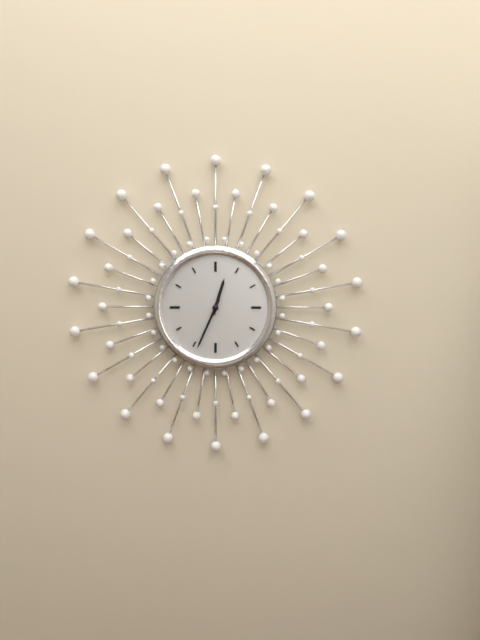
12:34
